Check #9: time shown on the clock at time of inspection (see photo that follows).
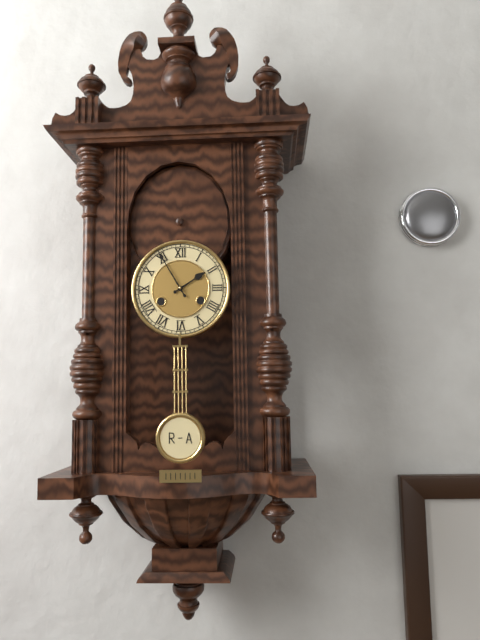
1:55
